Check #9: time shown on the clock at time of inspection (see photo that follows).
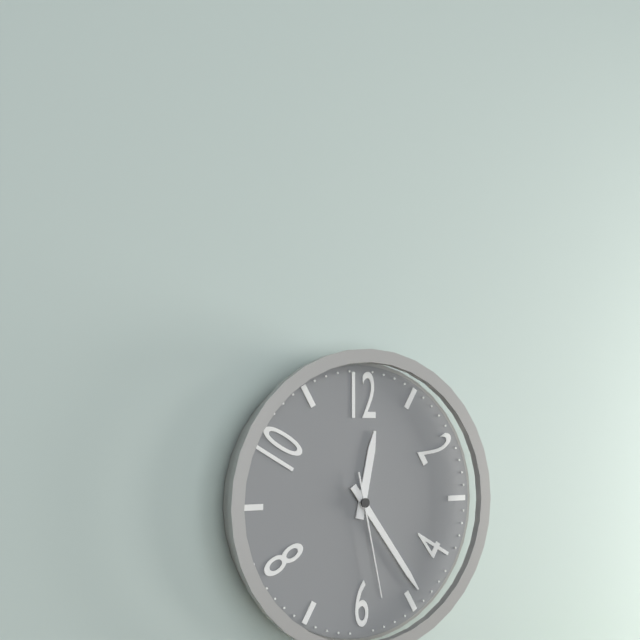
12:24:28
